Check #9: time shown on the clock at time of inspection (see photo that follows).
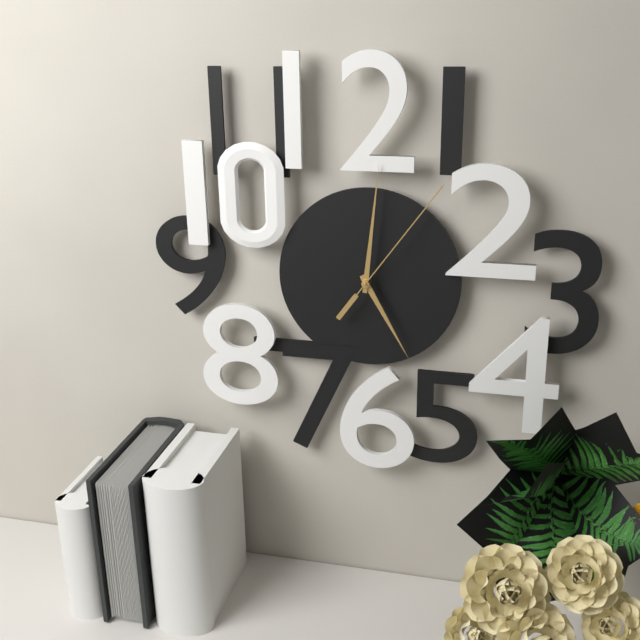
5:01:06
